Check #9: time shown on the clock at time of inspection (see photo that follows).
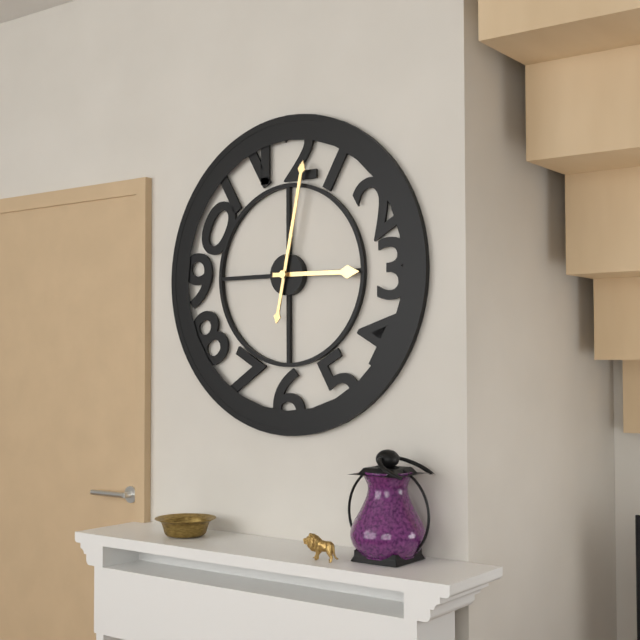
3:02
